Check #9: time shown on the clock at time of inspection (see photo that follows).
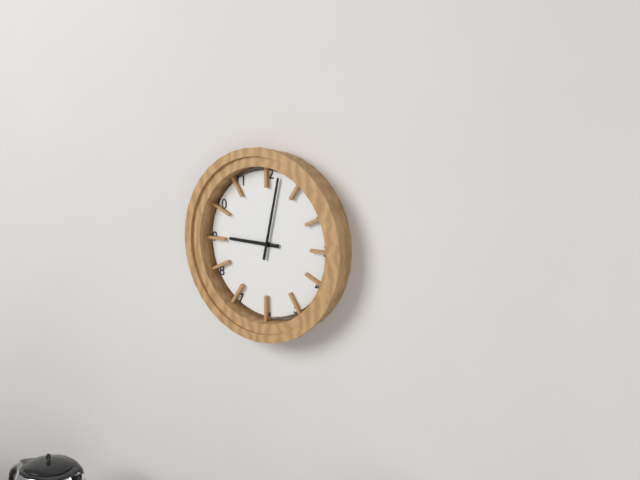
9:02
